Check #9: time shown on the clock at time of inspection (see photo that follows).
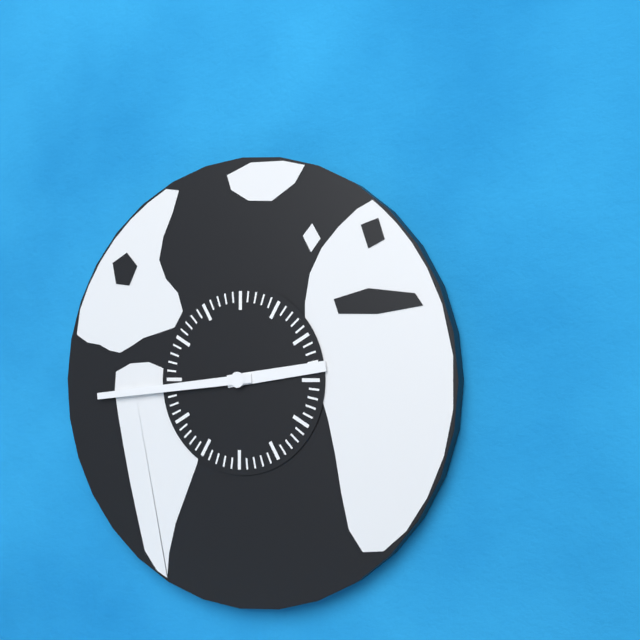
2:44
